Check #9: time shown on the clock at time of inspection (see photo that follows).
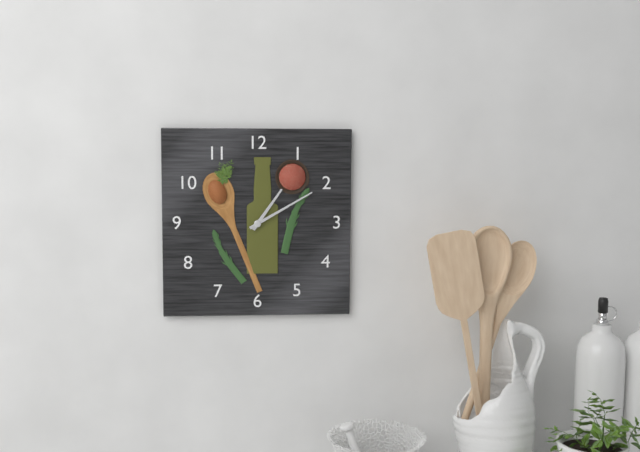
1:10
